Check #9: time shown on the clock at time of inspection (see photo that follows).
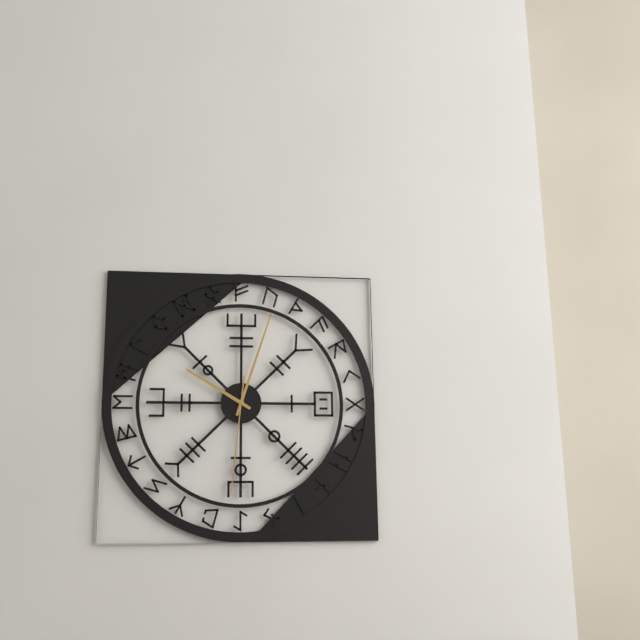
10:03:31
